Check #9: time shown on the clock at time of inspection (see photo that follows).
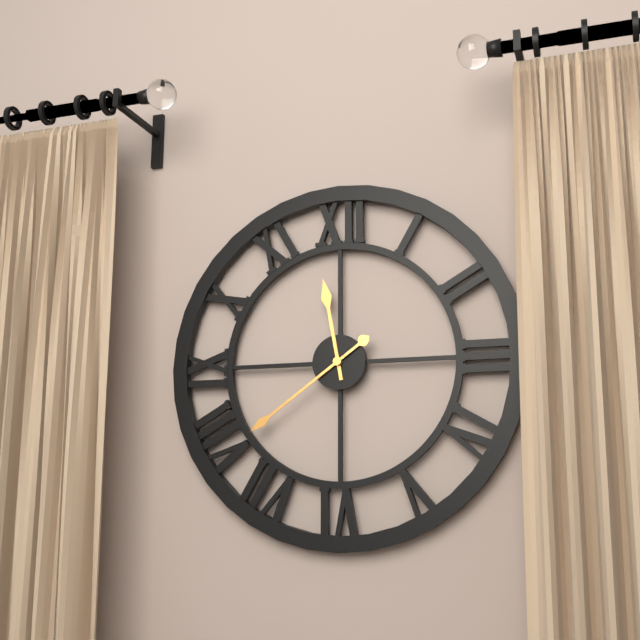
11:39
